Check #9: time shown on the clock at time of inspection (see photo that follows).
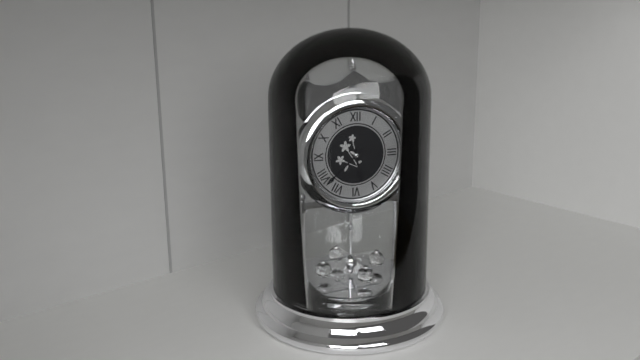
5:38
